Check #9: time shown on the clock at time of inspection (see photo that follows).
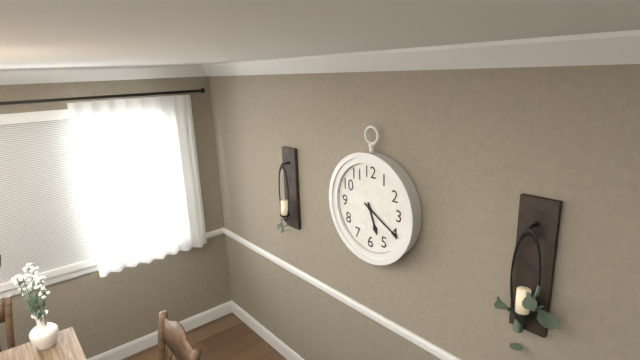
5:20
